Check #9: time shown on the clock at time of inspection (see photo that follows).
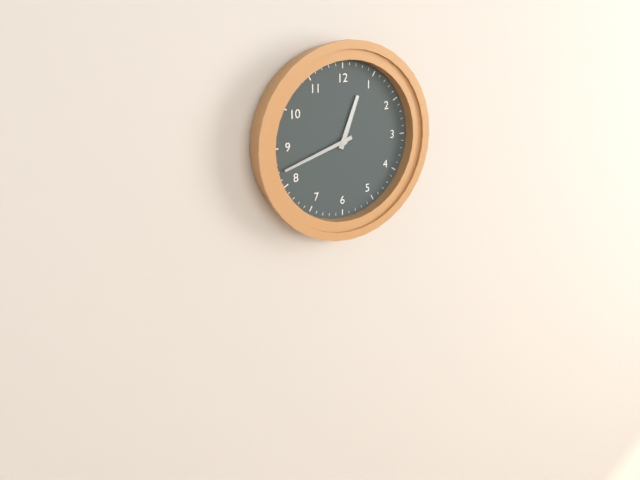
12:42
